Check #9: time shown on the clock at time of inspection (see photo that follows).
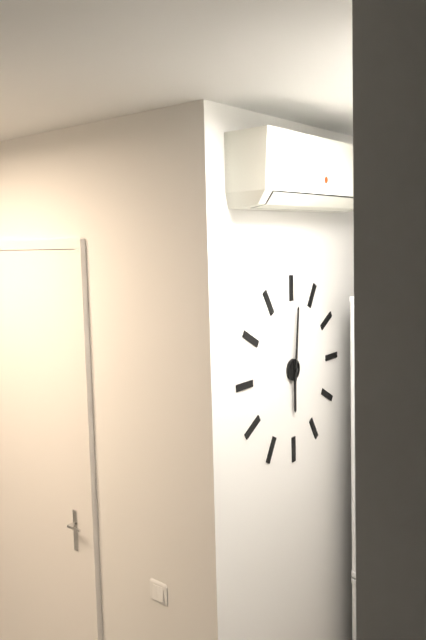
6:01
